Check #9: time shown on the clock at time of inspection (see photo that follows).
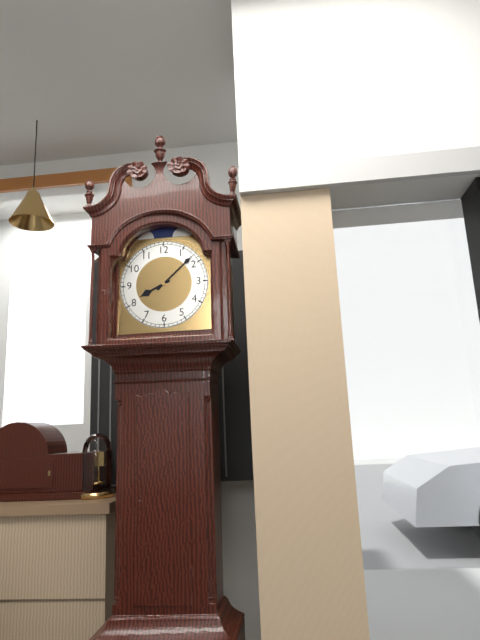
8:08
